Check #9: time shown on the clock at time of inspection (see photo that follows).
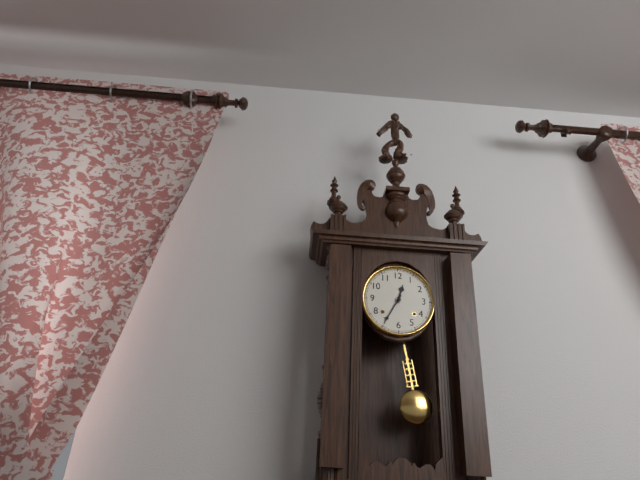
12:35
